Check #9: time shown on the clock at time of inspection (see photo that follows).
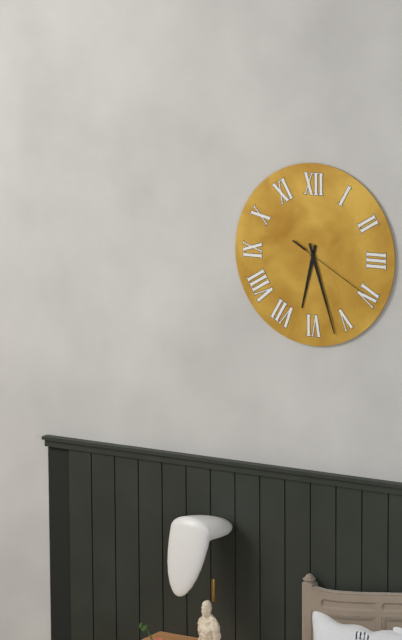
6:27:20
